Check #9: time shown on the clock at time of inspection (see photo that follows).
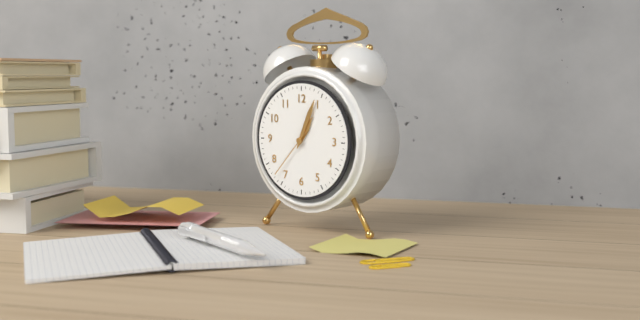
1:04:37
